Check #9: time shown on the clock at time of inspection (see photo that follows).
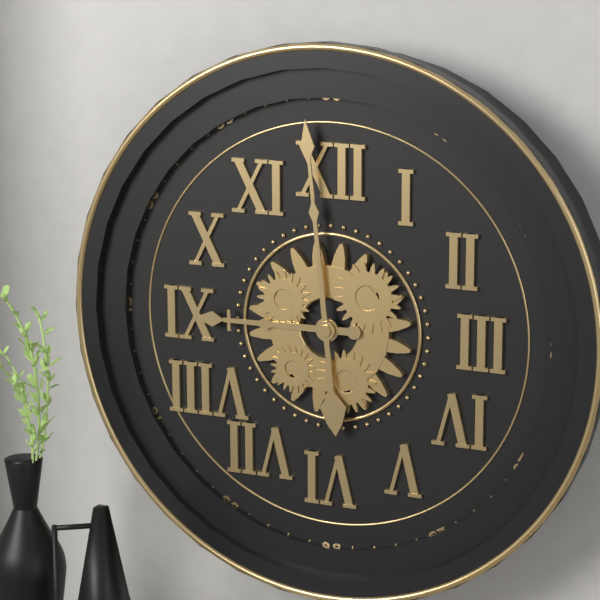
8:59
